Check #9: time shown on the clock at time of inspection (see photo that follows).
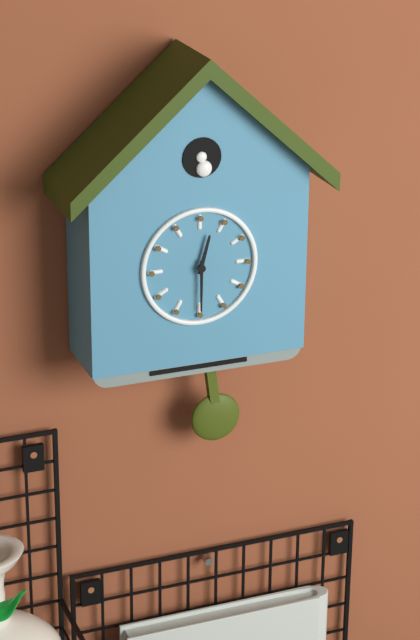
12:30
